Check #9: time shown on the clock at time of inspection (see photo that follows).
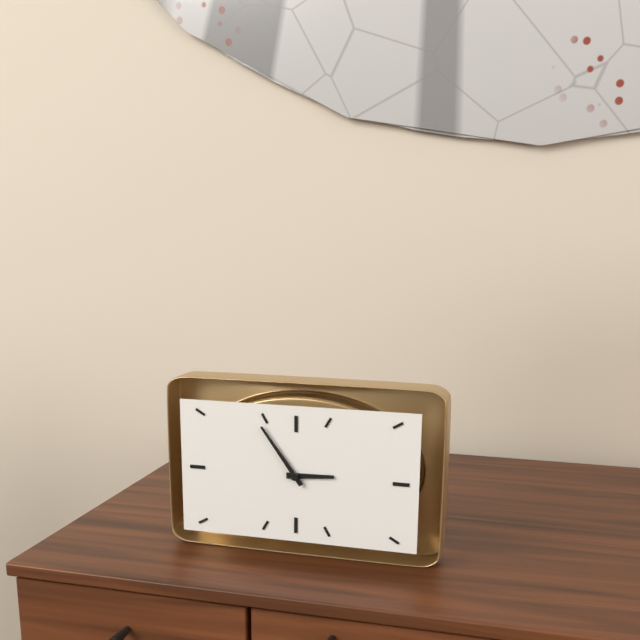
2:54
